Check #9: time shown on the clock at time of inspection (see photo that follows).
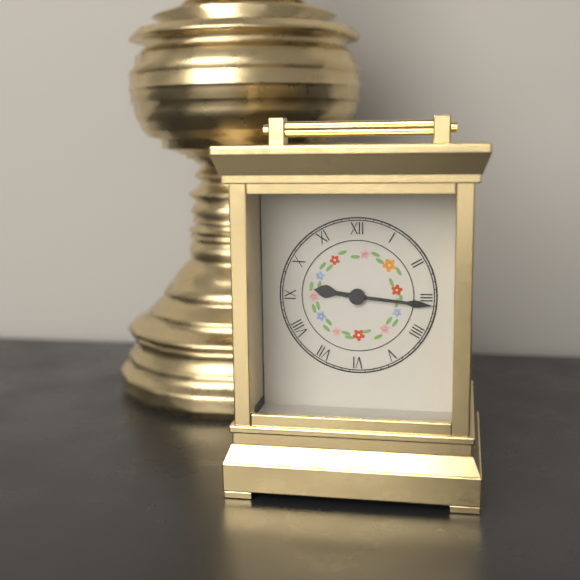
9:16
